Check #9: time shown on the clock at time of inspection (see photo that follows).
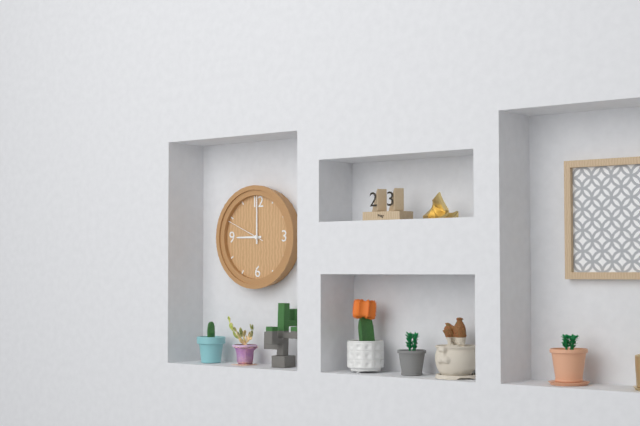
9:00
